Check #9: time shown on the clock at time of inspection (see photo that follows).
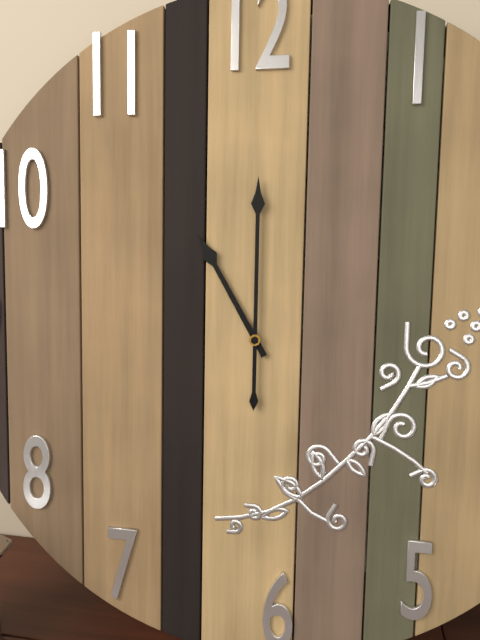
11:00
